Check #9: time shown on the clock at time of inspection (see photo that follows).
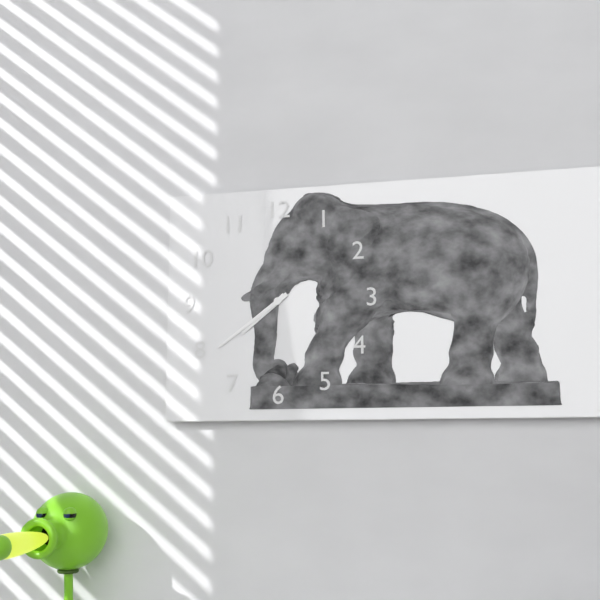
7:39
